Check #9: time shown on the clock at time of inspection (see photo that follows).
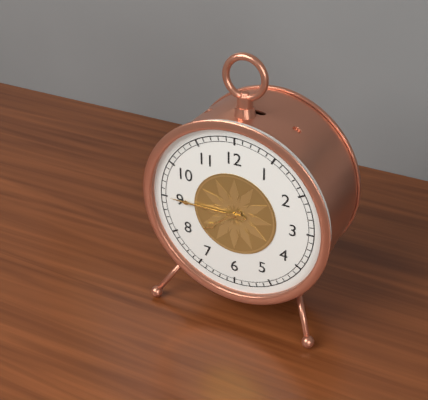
7:45
